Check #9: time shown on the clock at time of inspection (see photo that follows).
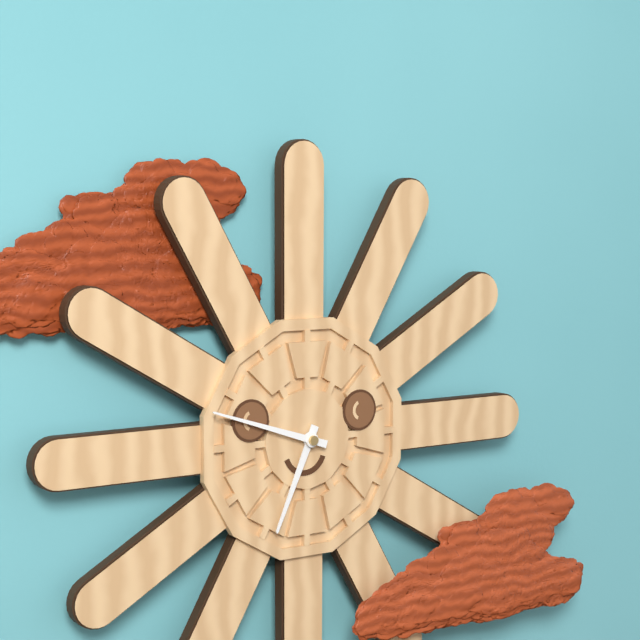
6:48
